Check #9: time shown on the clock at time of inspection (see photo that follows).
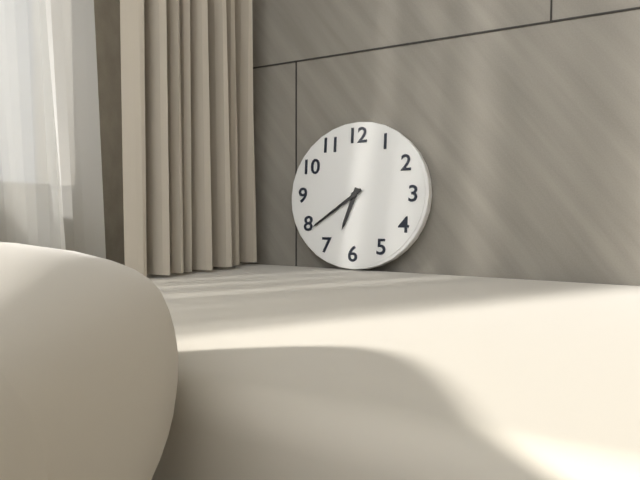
6:39
